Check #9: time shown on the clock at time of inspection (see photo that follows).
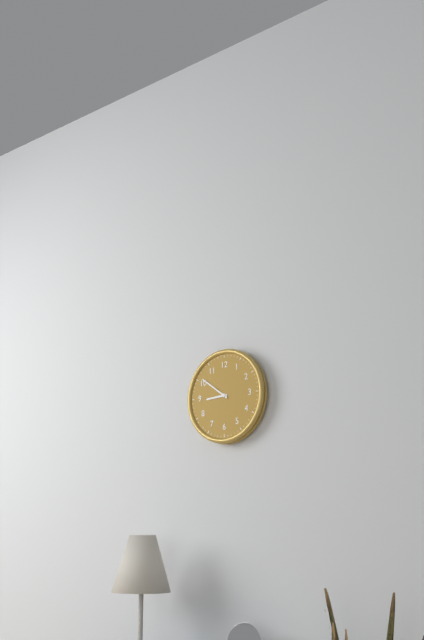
8:51
